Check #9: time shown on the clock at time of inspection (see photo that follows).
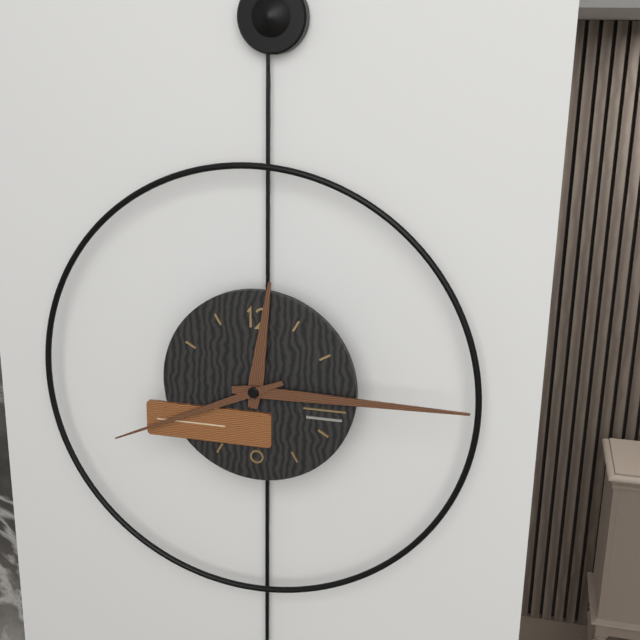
12:15:41
